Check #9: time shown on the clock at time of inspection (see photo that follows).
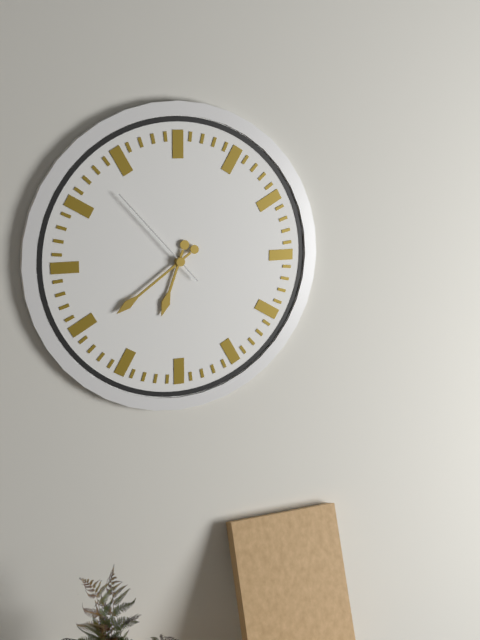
6:39:53
